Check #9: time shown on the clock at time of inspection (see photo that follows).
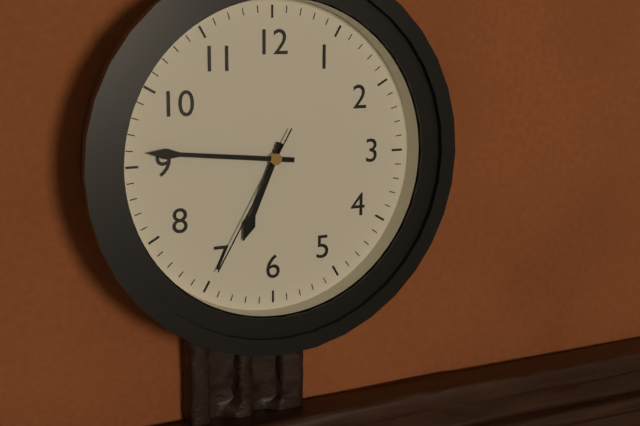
6:46:35
